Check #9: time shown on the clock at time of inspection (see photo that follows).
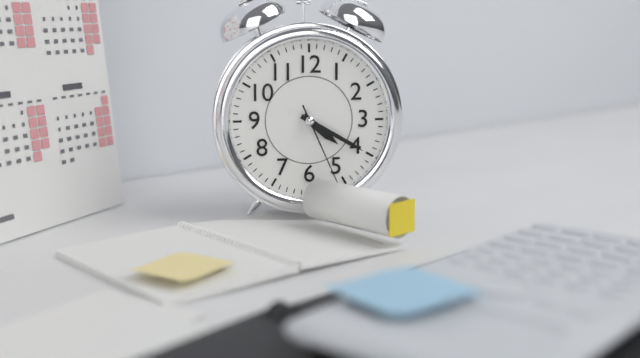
4:20:26
